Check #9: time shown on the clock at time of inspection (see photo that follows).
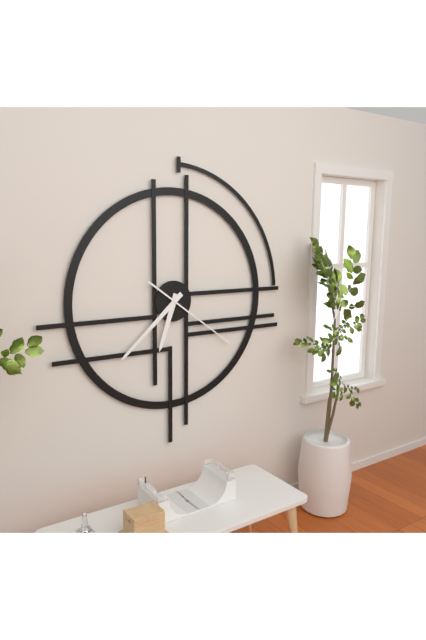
6:38:21
